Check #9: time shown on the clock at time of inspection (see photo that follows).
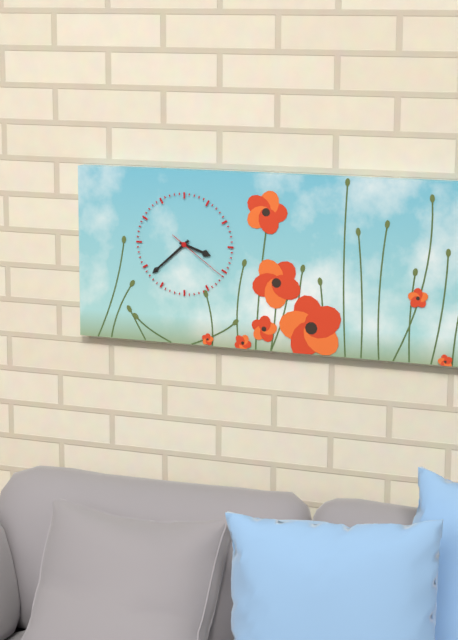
3:38:21
